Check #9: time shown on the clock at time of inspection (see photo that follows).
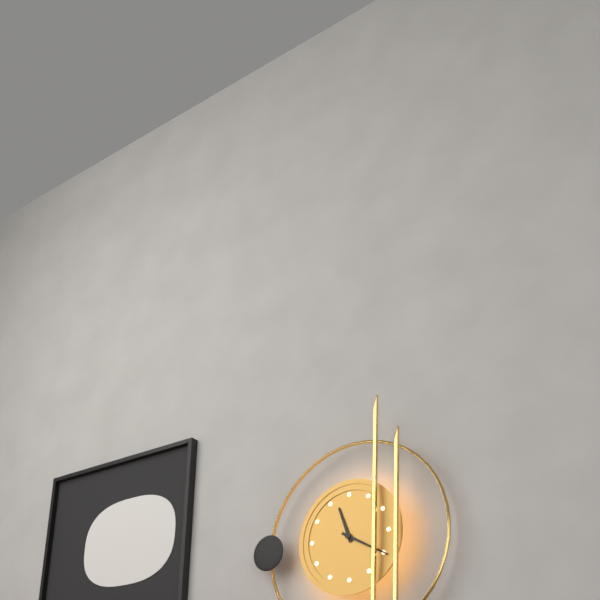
11:20
